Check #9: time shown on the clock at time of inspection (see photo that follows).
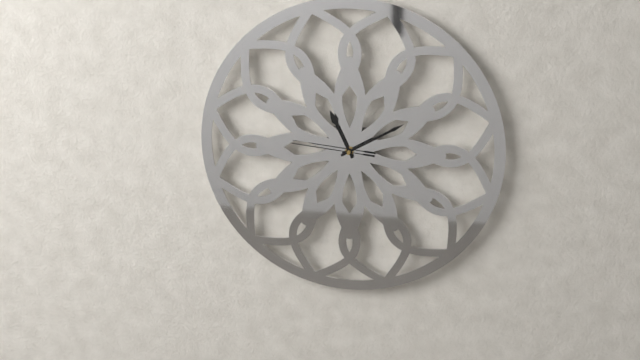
11:10:46
